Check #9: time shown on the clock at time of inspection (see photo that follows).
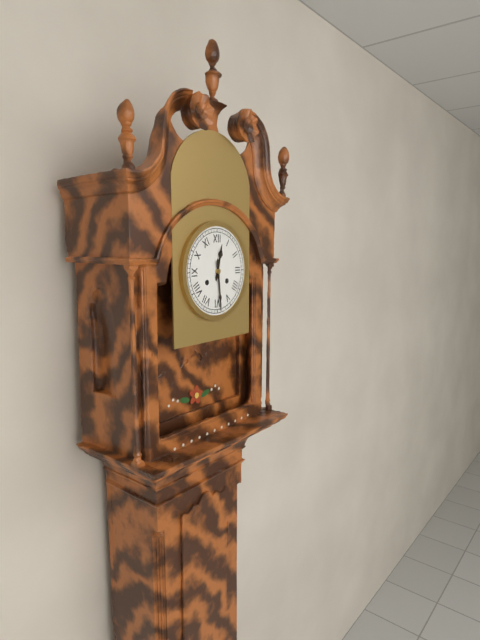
12:29
